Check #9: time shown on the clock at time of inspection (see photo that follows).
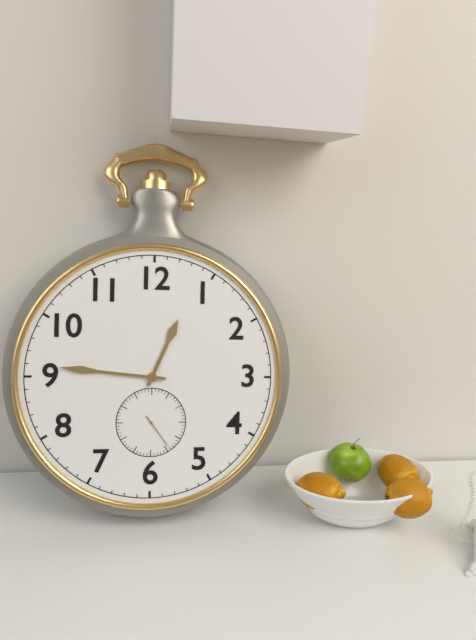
12:46
